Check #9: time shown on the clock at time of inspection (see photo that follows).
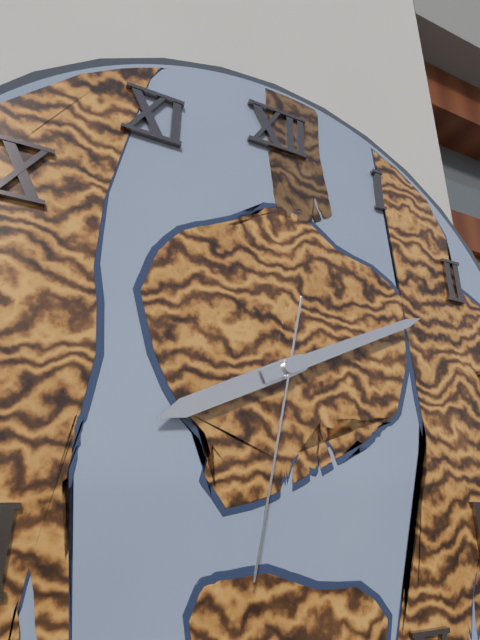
8:11:32
